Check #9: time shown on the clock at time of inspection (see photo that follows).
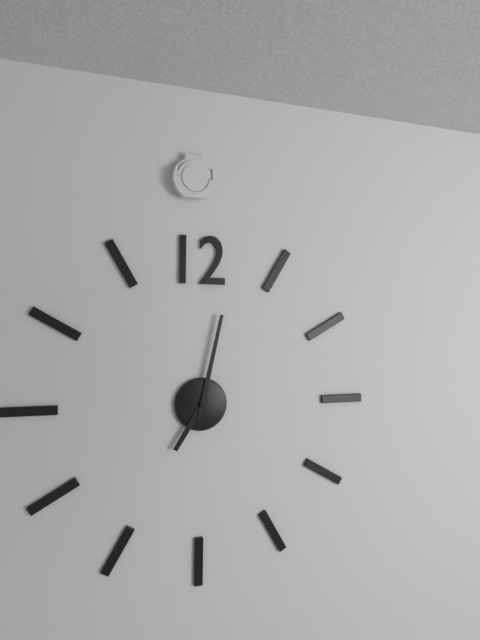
7:02
